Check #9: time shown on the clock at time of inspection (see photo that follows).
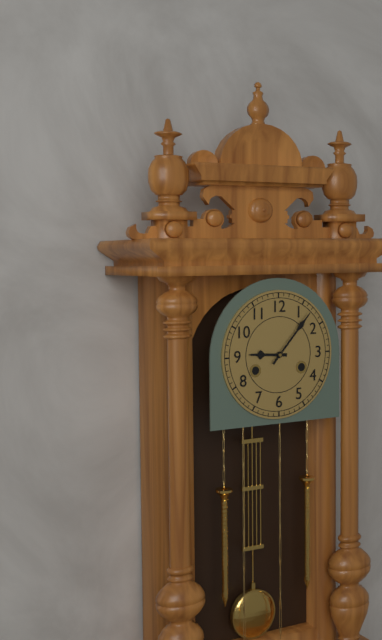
9:07
